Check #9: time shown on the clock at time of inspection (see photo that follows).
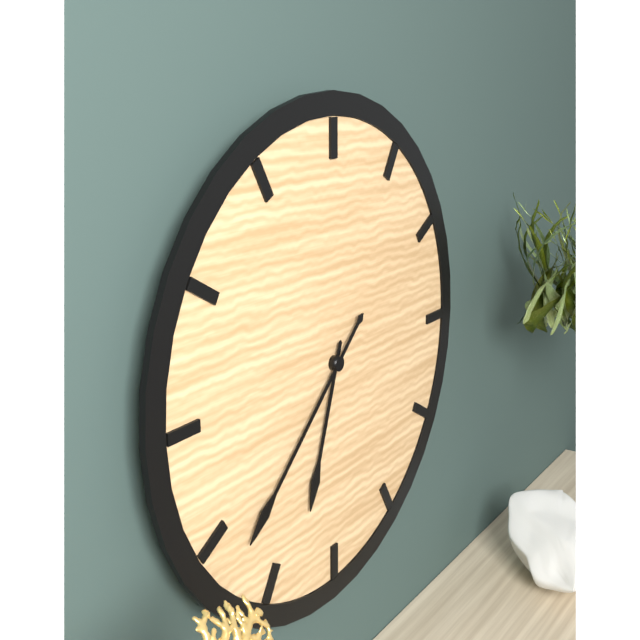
6:38
